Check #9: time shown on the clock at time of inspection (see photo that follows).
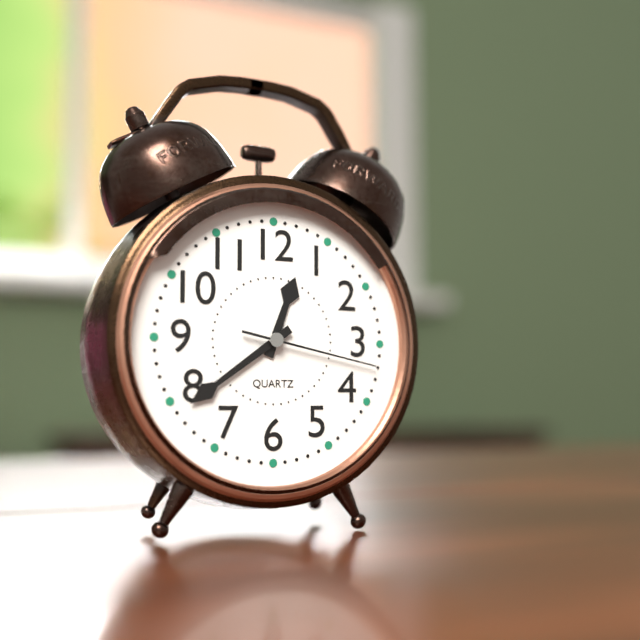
12:39:17
